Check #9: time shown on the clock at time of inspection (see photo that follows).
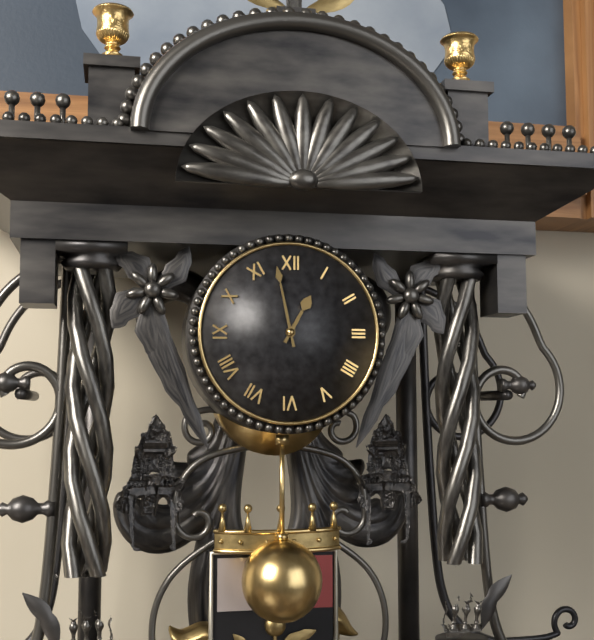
12:58
